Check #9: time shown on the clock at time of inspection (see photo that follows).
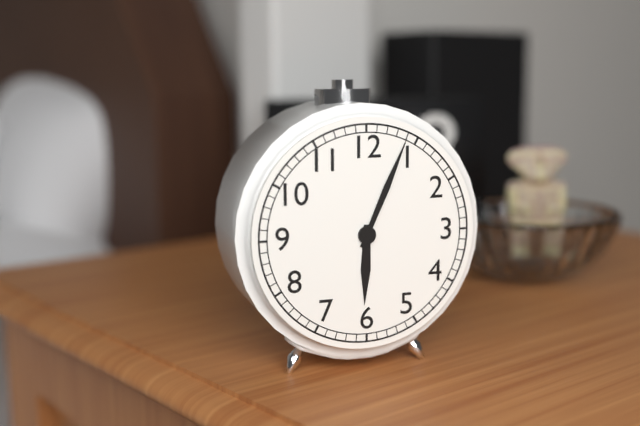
6:04
